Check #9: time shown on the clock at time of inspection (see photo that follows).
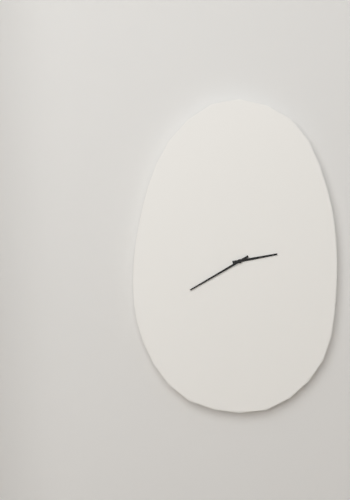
2:40
